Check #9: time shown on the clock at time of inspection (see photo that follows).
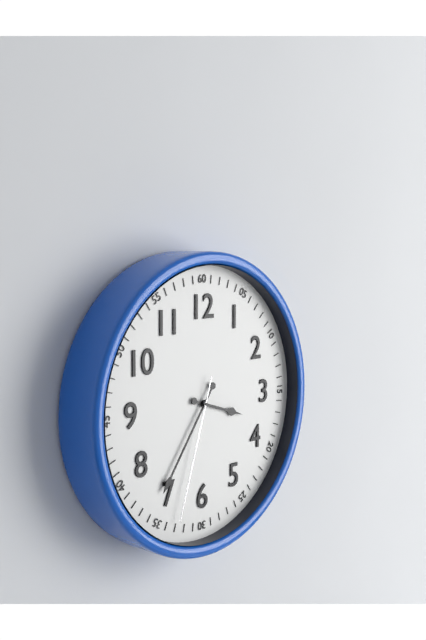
3:36:33
